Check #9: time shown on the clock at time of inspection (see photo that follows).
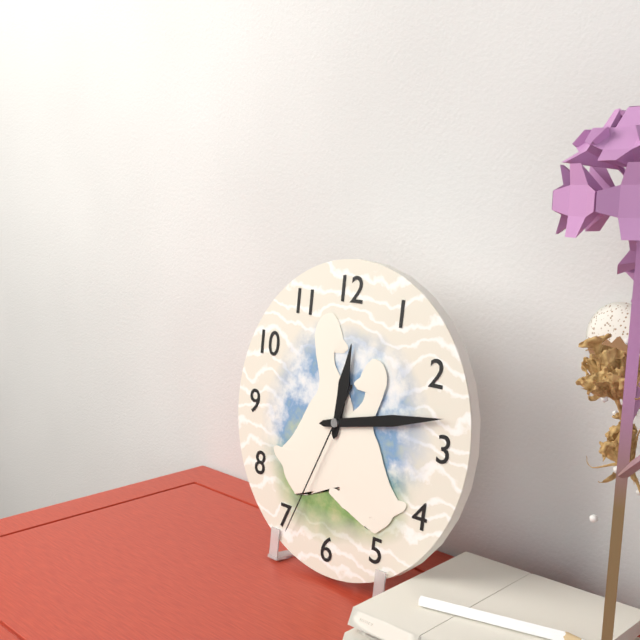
12:13:34
